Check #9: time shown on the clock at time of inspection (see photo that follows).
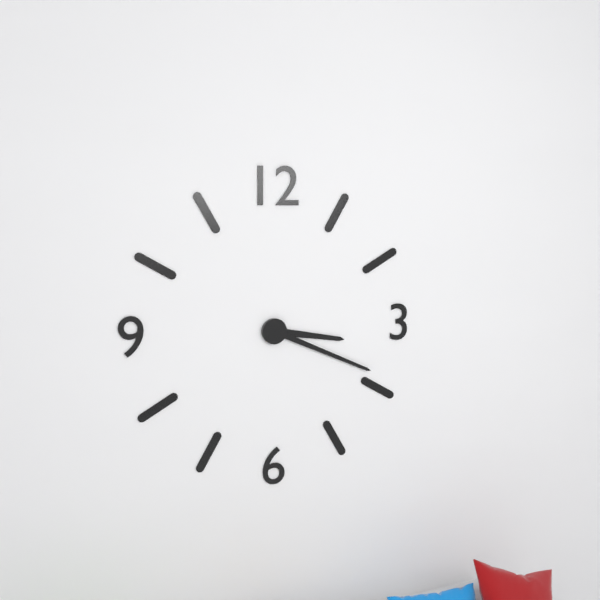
3:19
